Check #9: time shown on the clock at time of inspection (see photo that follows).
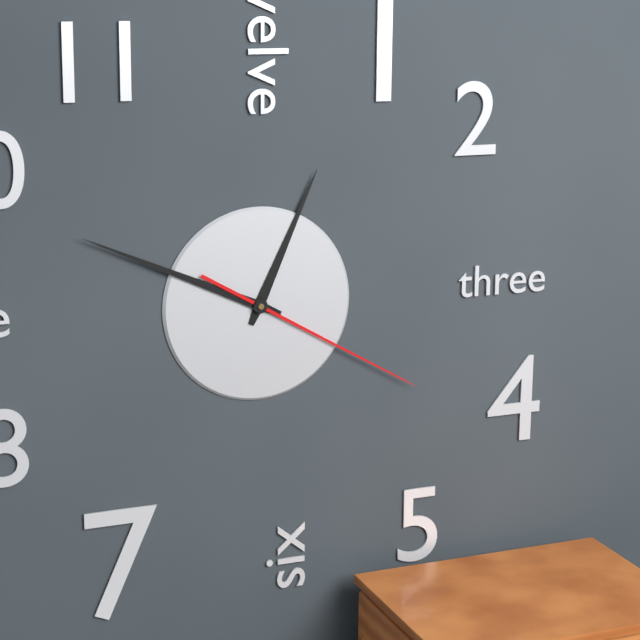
12:49:20
